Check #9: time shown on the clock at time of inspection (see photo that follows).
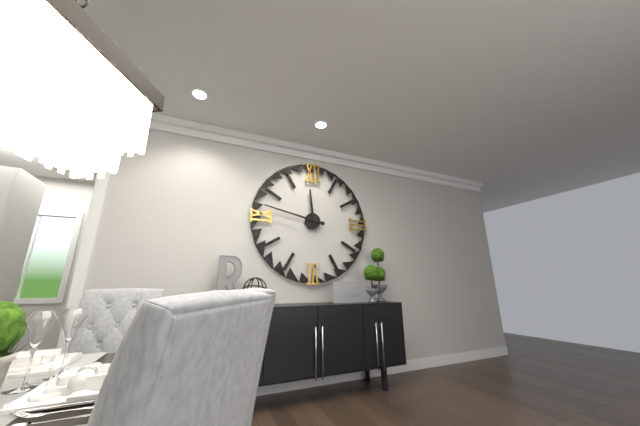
11:47
